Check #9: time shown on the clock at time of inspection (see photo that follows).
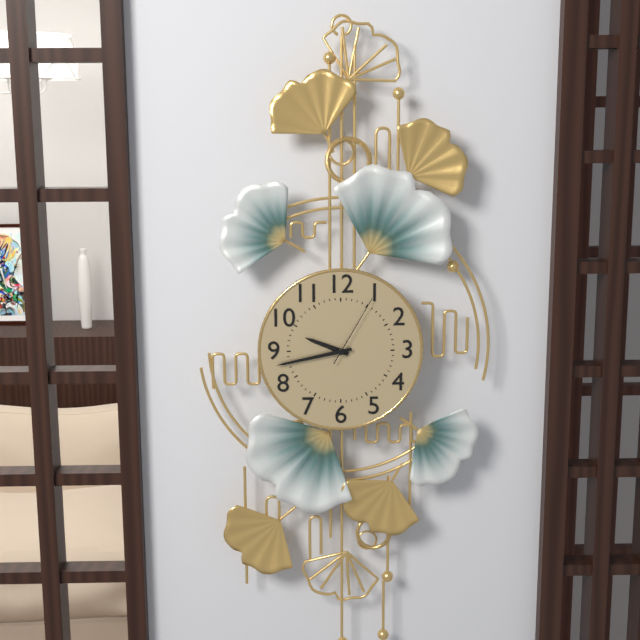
9:43:05
